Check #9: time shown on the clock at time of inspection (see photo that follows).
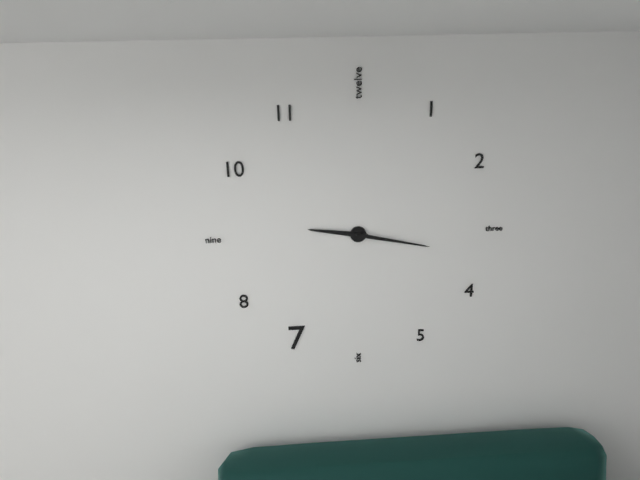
9:17
